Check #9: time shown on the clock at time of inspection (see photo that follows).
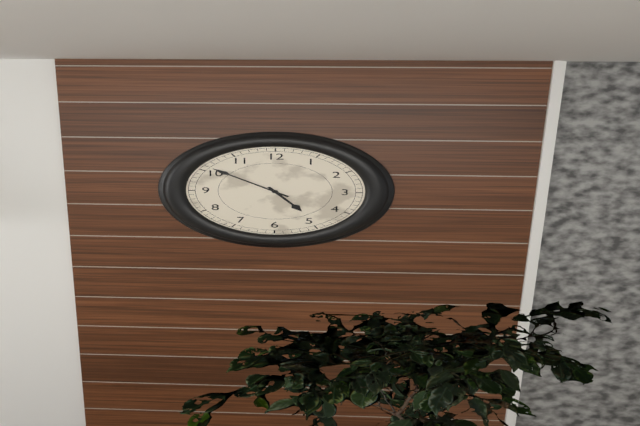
4:51
